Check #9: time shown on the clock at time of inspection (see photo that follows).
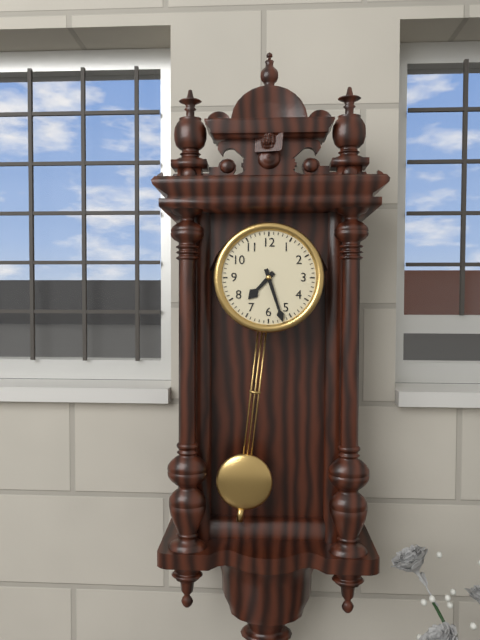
7:27
